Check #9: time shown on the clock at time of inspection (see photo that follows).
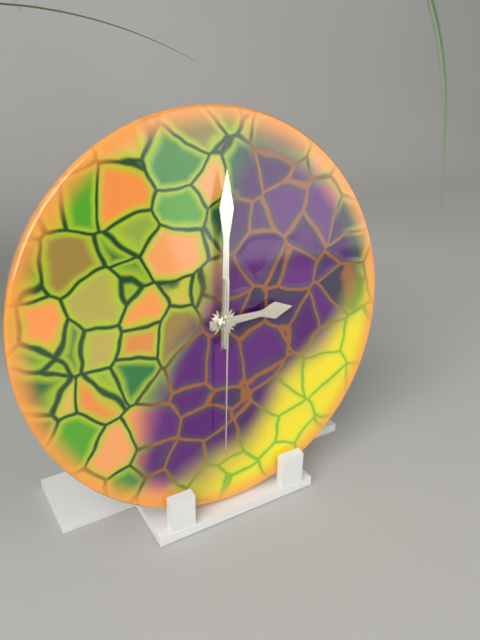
3:01:31
